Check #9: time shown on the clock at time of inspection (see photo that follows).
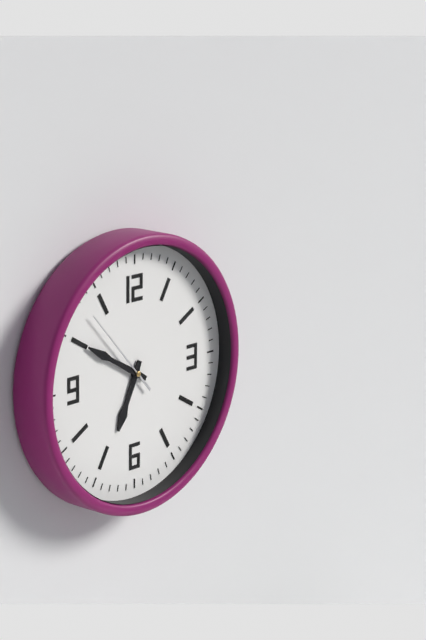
6:50:53
